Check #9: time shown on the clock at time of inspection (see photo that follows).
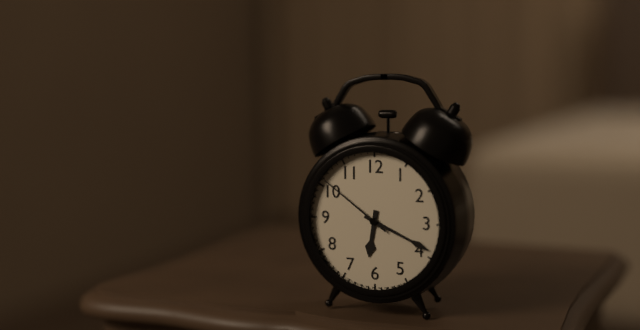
6:19:51
